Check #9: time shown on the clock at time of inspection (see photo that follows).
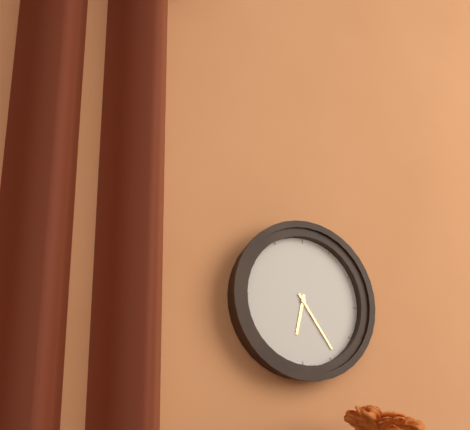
6:24
